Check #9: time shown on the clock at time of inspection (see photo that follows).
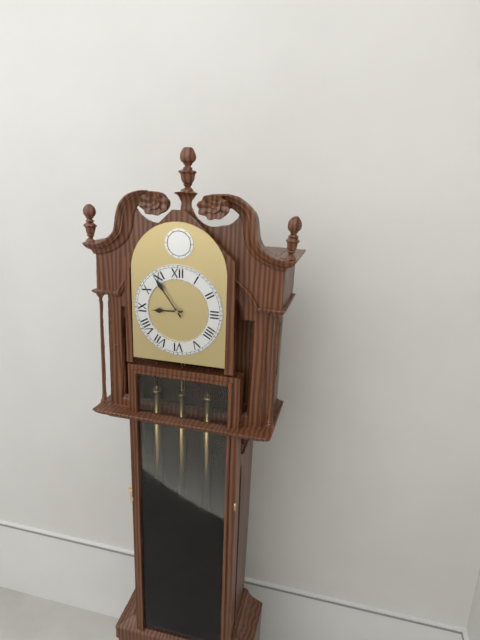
8:54
